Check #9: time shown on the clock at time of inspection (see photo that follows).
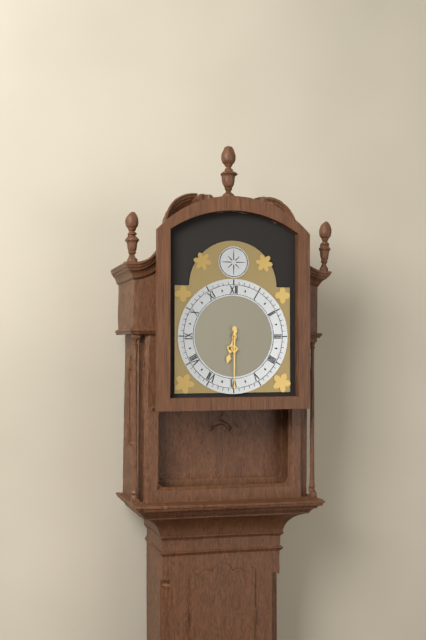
6:30
